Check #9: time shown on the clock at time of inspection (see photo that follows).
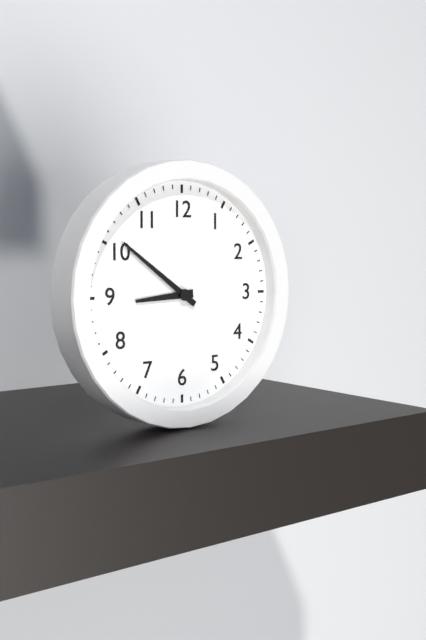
8:51
